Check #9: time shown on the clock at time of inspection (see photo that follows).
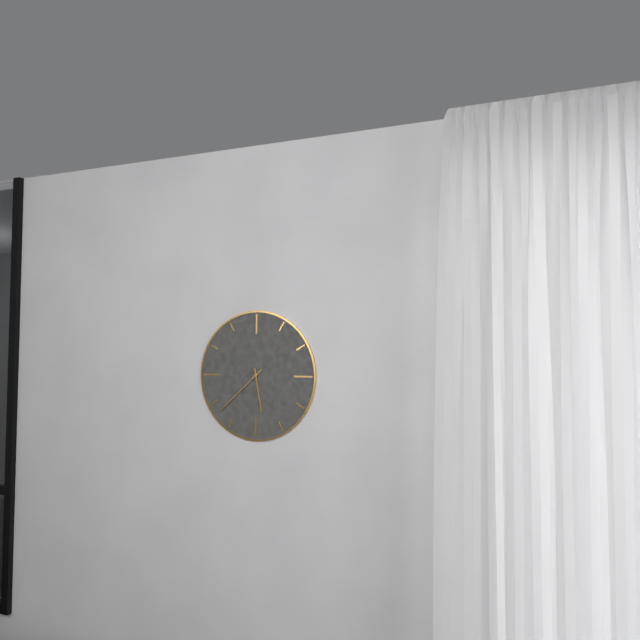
5:38
